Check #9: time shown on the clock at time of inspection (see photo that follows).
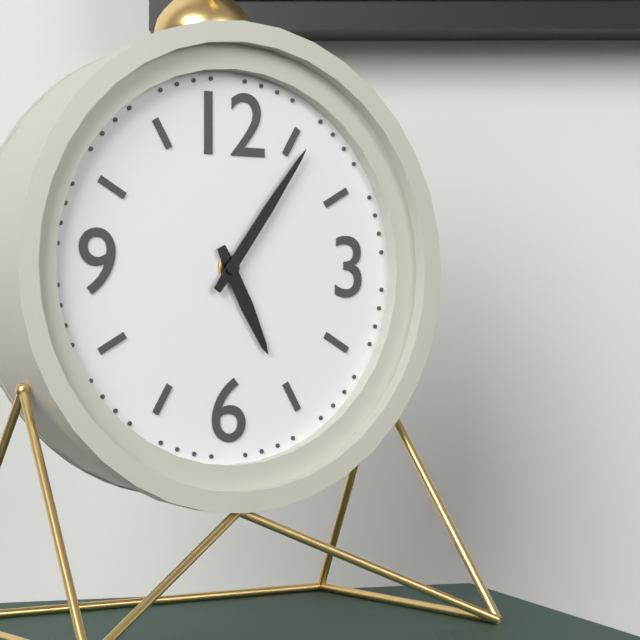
5:06
